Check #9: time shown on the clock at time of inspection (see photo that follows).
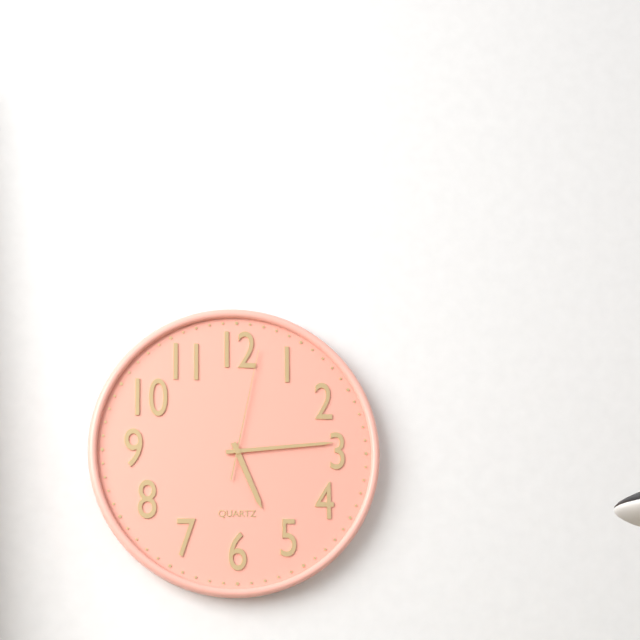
5:14:02
